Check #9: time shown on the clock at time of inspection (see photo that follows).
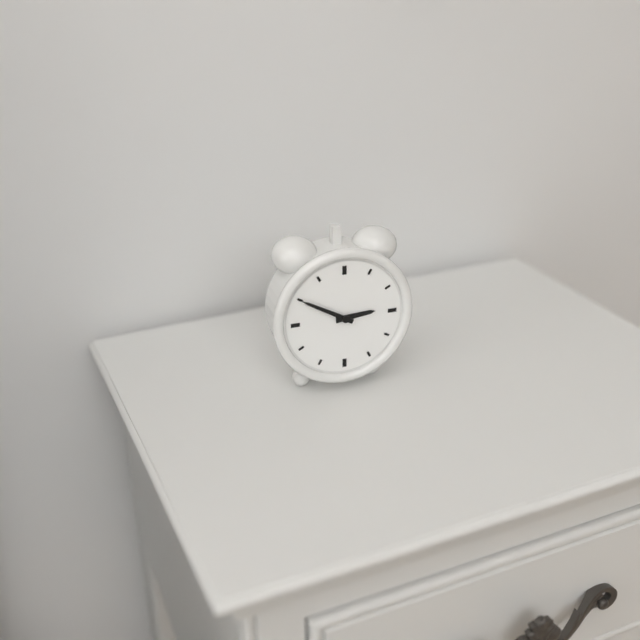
2:50
